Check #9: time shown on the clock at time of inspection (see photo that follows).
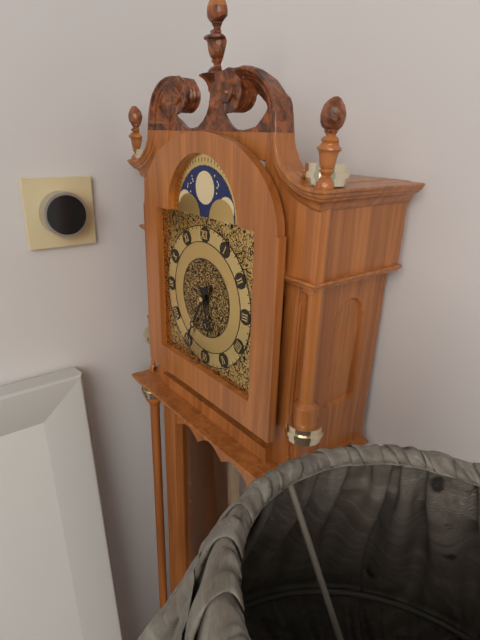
5:35
